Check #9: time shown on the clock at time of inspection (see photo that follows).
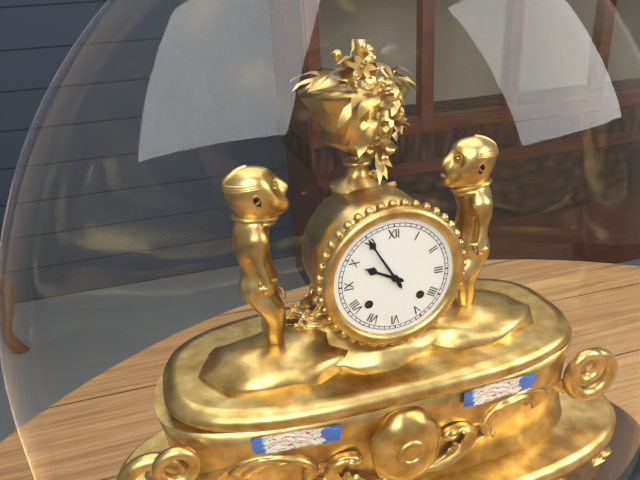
9:55
